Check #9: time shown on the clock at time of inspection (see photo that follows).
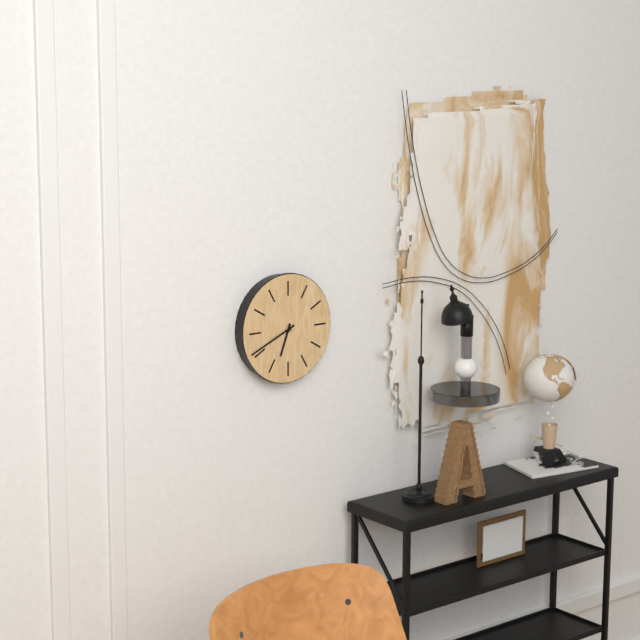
6:41
